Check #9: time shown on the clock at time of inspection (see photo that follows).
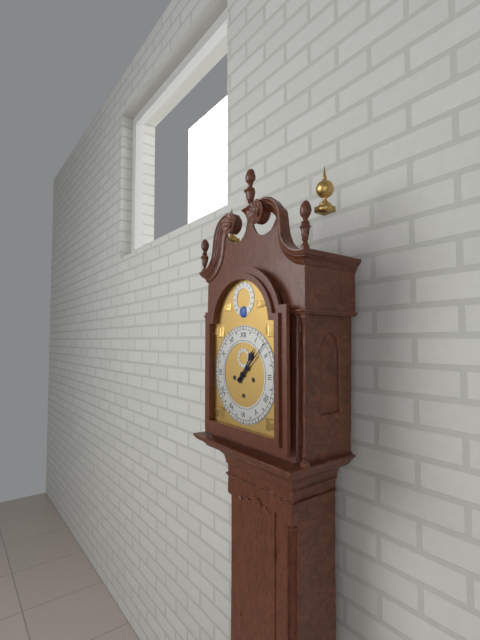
1:08
